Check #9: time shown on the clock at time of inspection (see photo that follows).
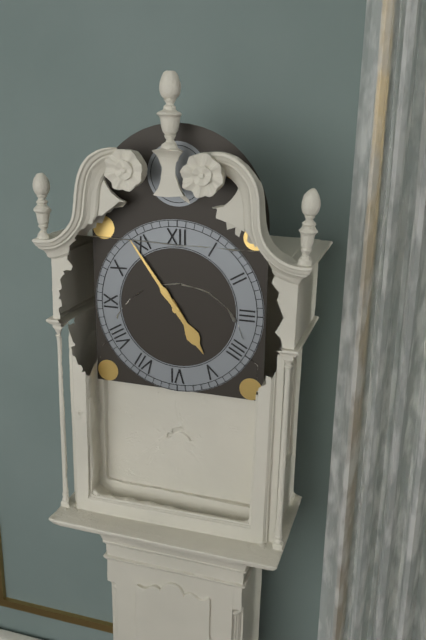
4:54
